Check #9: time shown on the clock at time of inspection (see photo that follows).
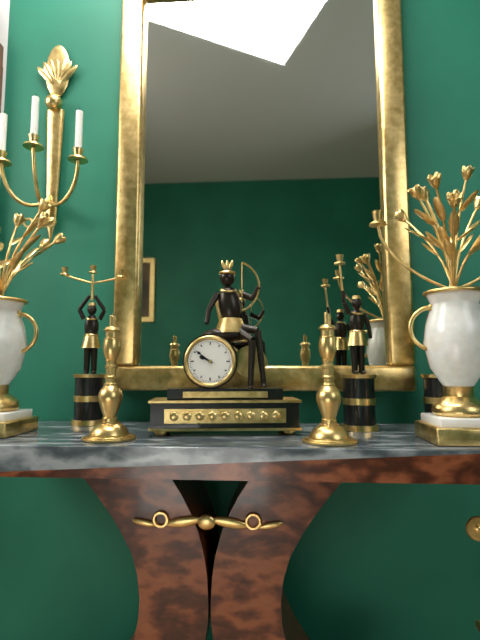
9:51
